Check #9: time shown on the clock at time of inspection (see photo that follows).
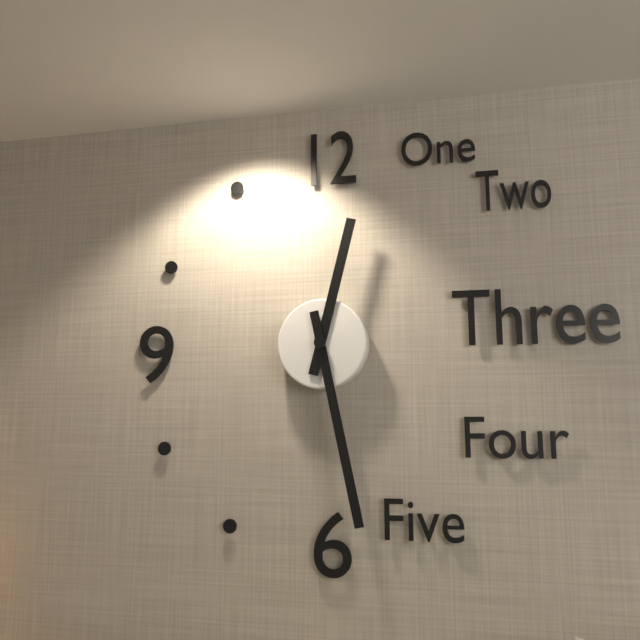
12:28
